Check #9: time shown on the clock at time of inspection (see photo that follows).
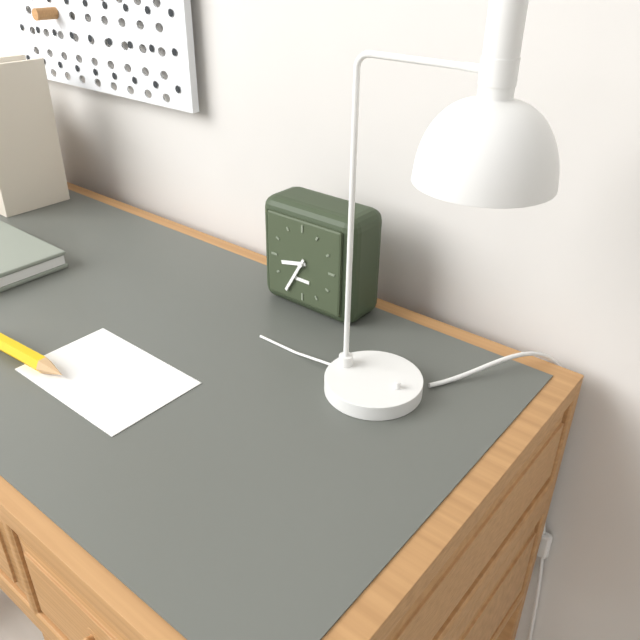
8:35
